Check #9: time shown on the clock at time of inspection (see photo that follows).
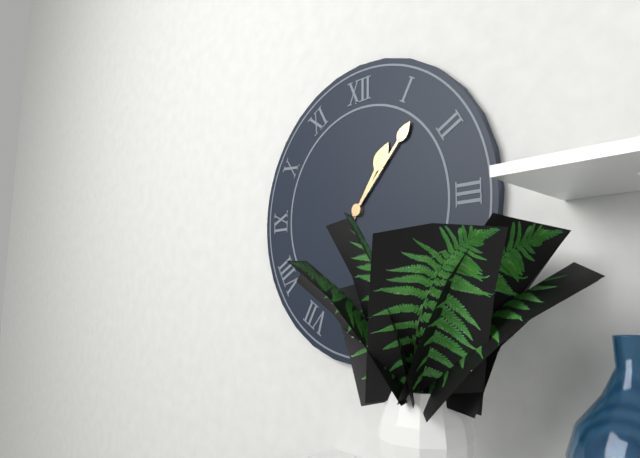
1:07
